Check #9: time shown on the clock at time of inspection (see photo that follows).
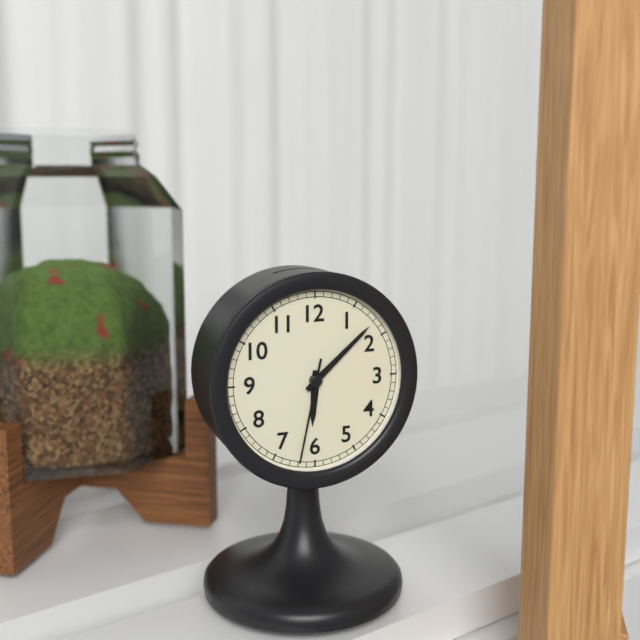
6:08:32
